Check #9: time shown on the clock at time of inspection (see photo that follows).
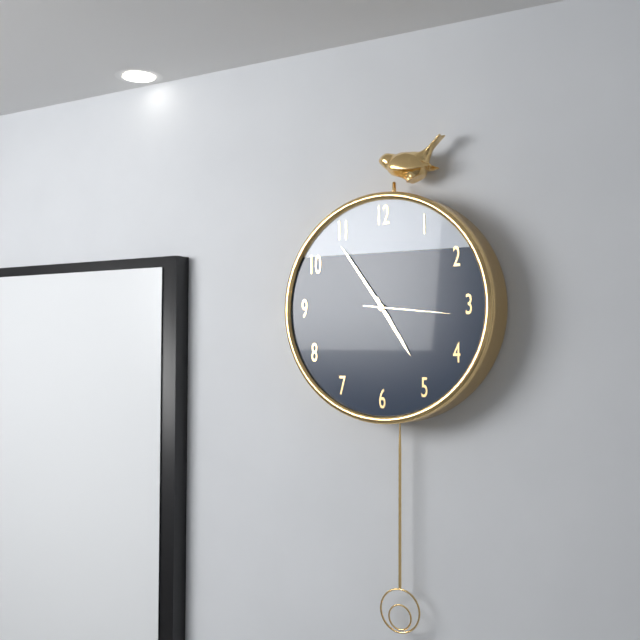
4:54:16
